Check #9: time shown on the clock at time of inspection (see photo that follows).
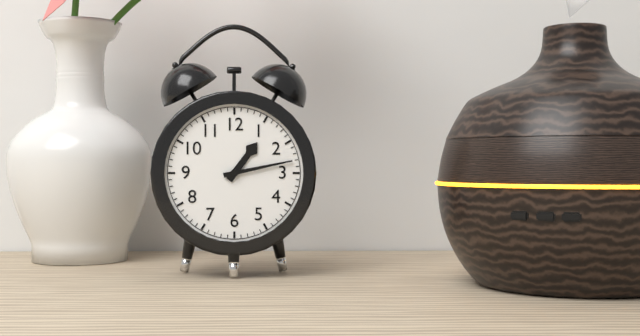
1:13
